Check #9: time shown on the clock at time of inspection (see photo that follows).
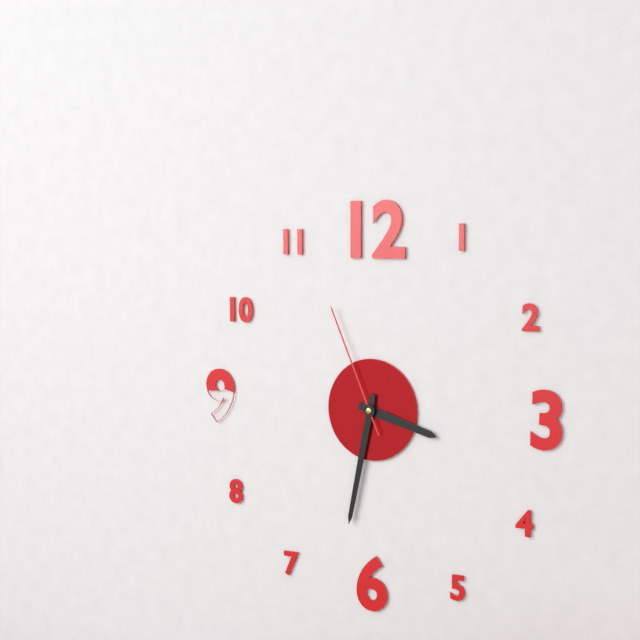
3:32:56
